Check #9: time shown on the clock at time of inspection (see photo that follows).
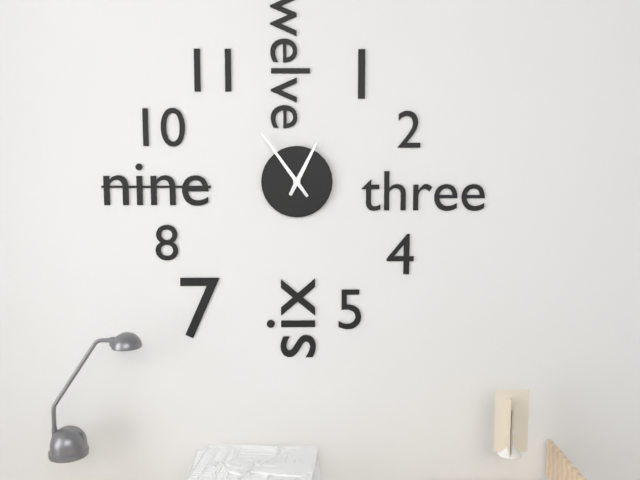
12:54
